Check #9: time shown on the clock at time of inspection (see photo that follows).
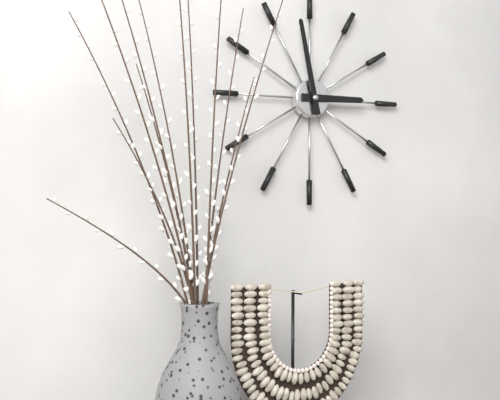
2:58
